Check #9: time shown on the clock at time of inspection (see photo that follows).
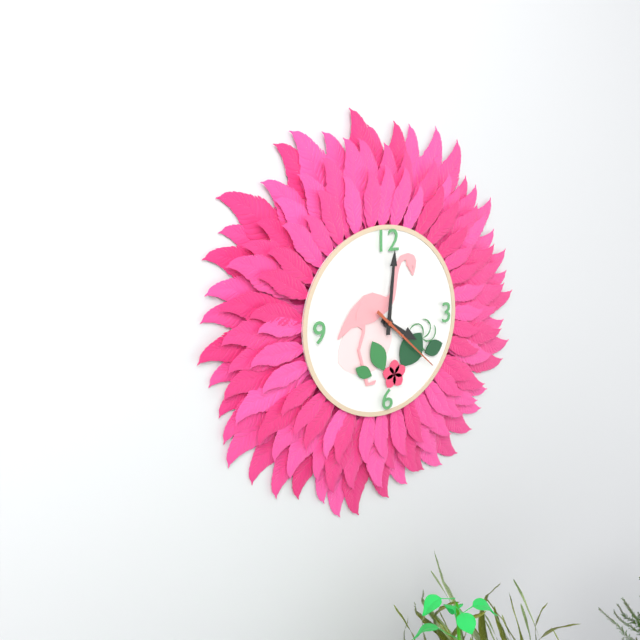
4:01:22
